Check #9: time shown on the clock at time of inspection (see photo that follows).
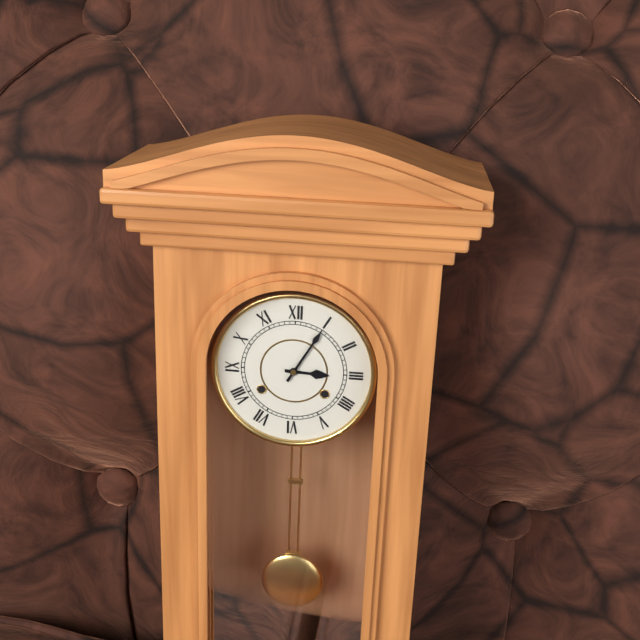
3:05
